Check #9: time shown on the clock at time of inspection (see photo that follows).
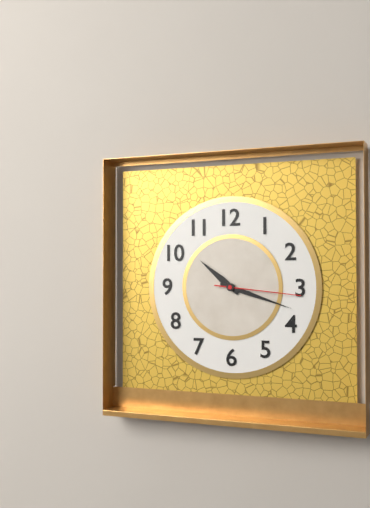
10:18:16
